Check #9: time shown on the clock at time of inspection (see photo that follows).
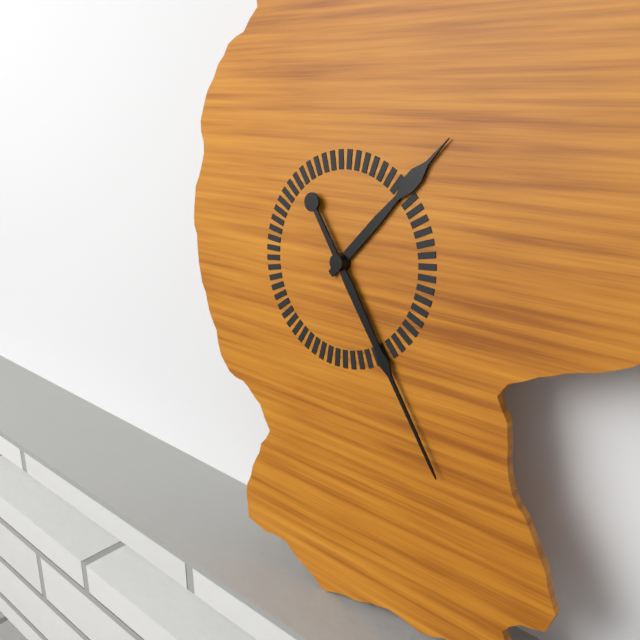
1:24
